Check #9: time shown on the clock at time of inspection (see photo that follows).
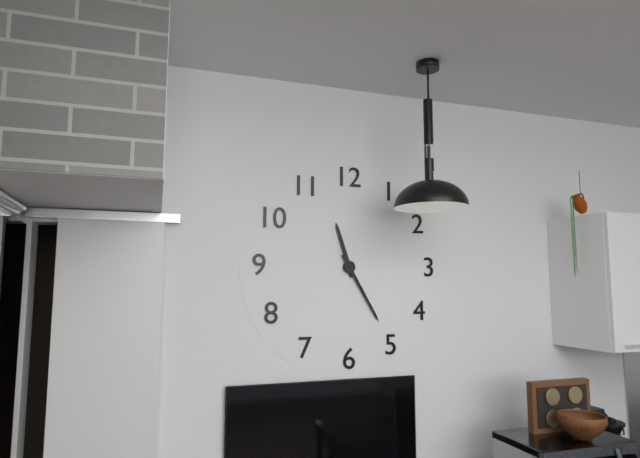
11:25
